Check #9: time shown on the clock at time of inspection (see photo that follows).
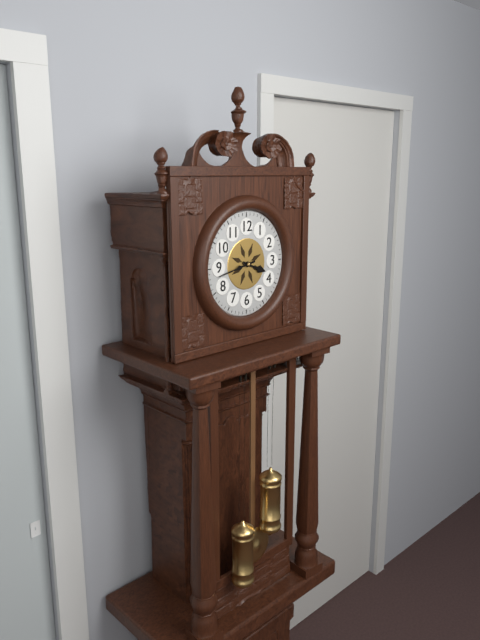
3:43
